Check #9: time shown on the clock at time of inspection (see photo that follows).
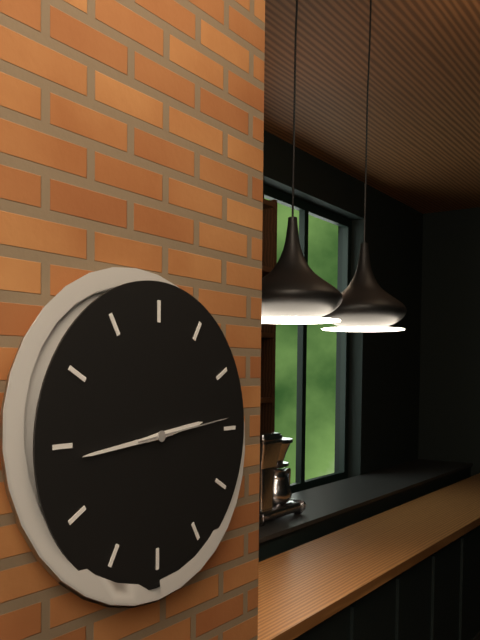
2:44:14
